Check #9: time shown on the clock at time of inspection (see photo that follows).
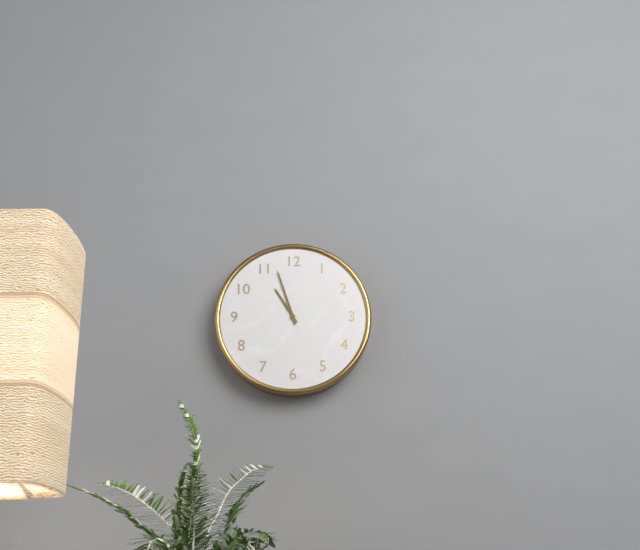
10:57
